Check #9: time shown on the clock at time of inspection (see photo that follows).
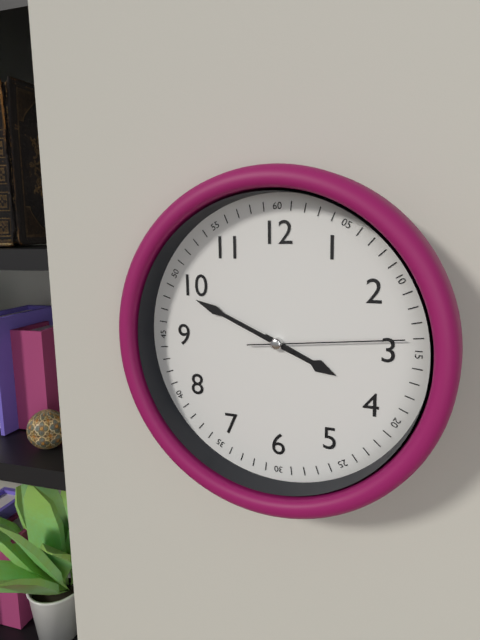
3:49:14
